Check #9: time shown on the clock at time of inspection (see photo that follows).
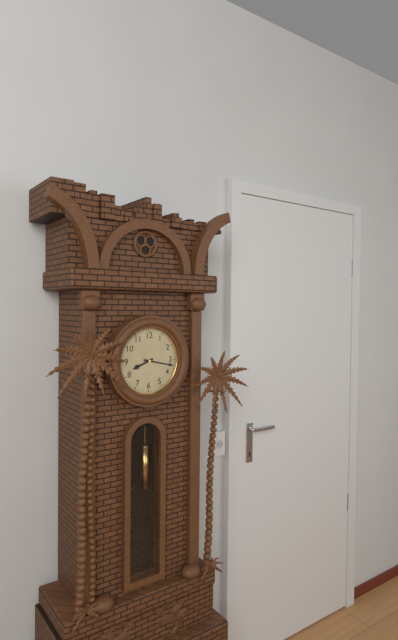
8:17
